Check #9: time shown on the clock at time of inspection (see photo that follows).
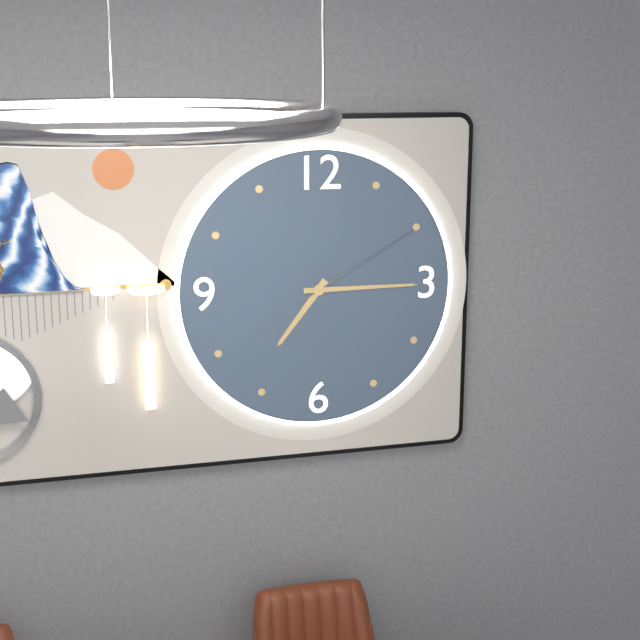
7:15:10
